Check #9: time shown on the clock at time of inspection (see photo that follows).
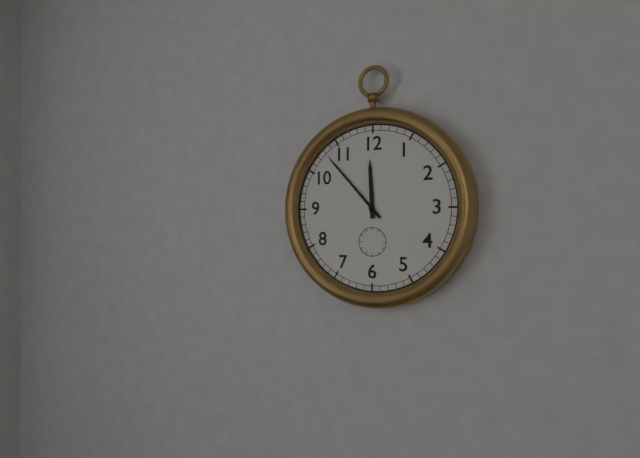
11:53
